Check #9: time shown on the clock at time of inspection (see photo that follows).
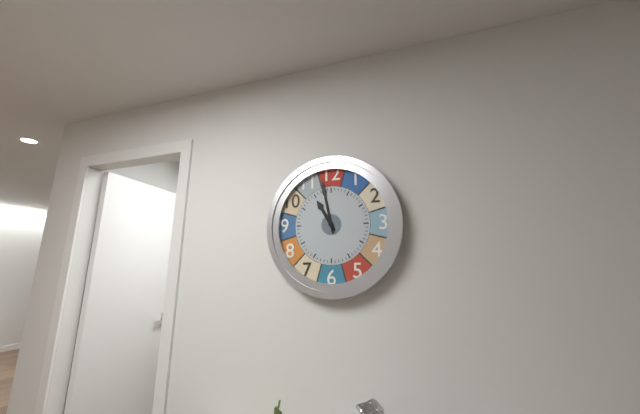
10:58
